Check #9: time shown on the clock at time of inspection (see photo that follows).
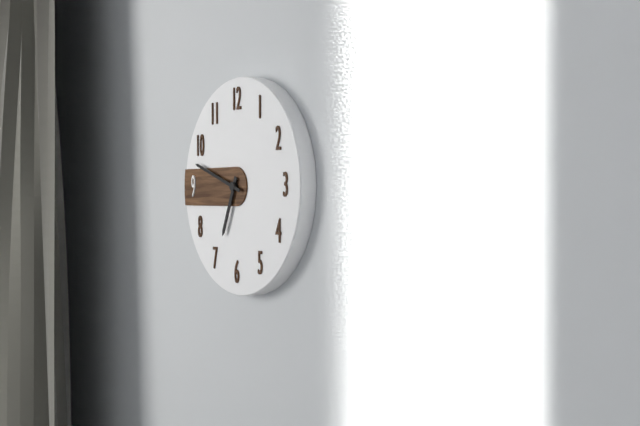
6:48
